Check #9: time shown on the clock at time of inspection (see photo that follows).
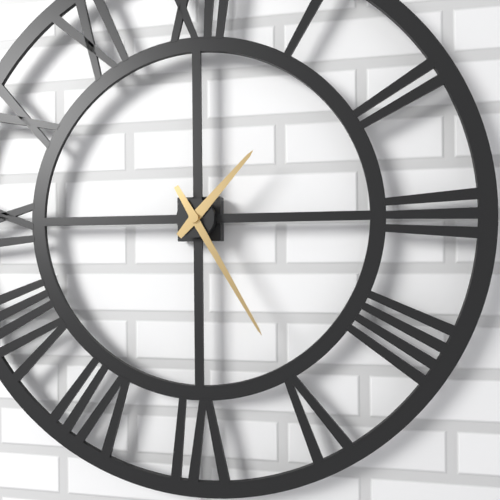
1:25
